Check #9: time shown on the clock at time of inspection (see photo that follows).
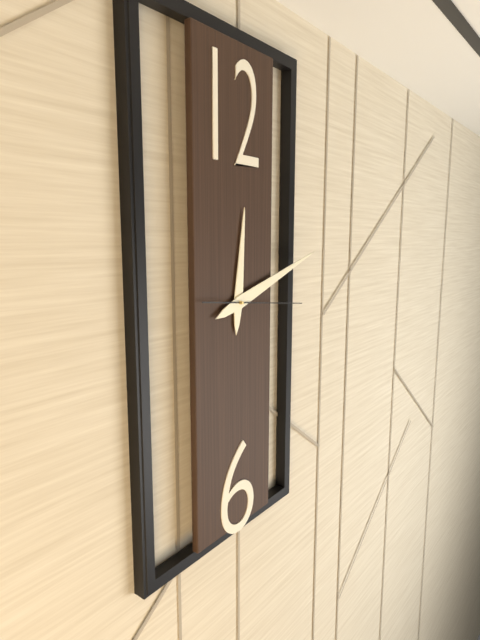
12:12:16
